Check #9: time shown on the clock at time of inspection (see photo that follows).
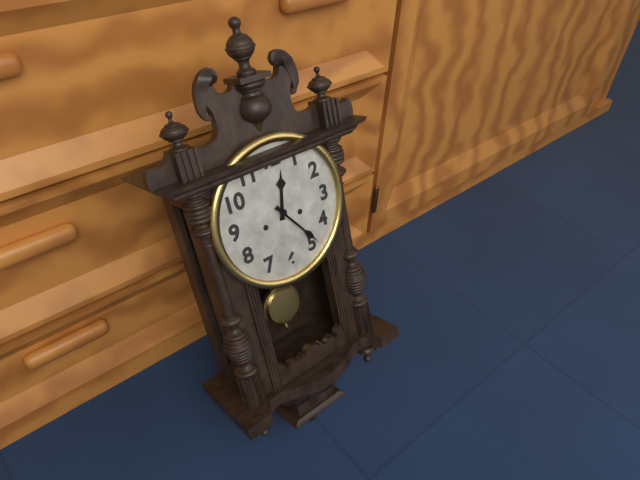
12:24
